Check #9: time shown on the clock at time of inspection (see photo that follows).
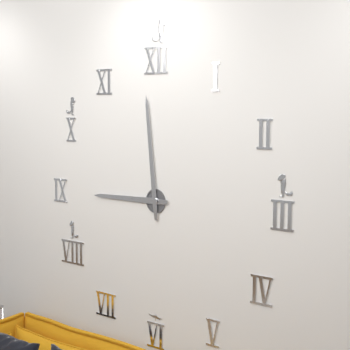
8:59
